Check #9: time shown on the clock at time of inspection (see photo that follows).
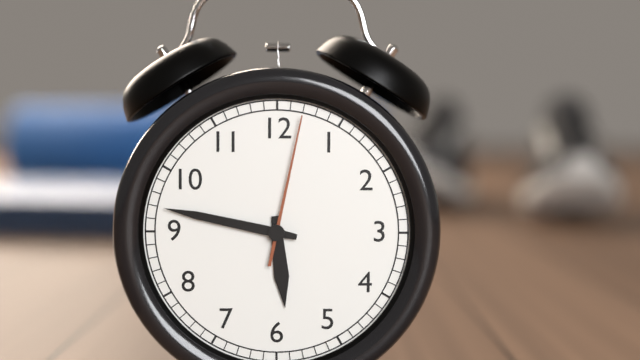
5:47:02
